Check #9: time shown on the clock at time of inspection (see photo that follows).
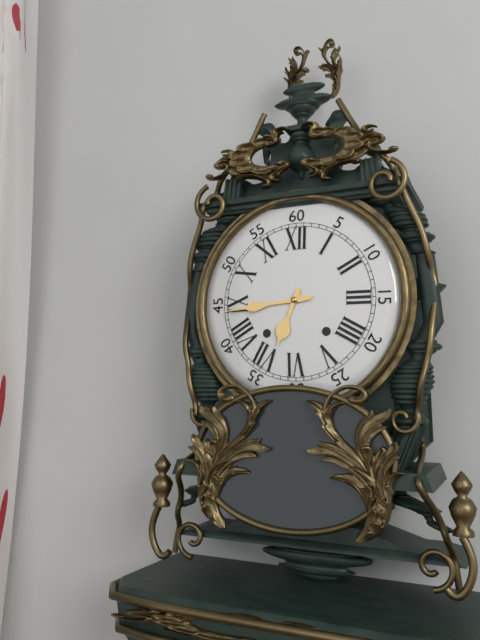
6:44
